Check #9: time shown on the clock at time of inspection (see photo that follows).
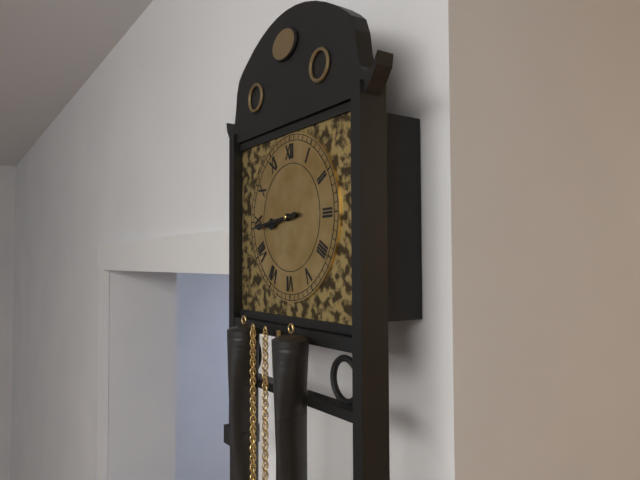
8:44
